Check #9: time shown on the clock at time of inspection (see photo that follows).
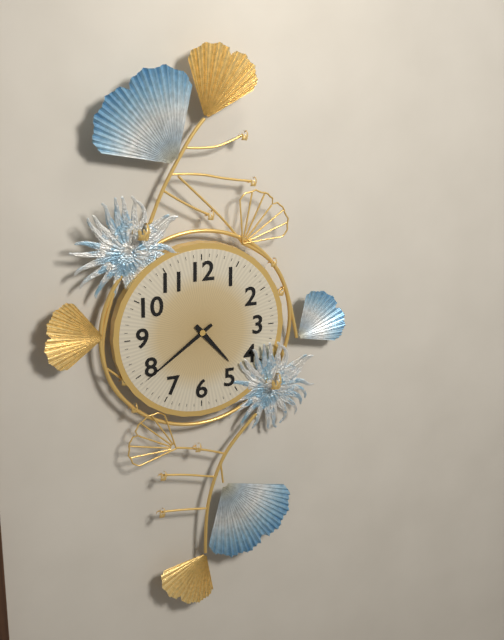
4:39
